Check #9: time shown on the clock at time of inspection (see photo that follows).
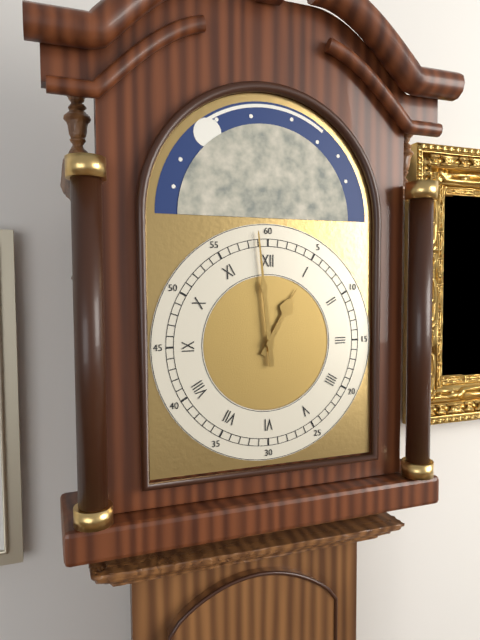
12:59
